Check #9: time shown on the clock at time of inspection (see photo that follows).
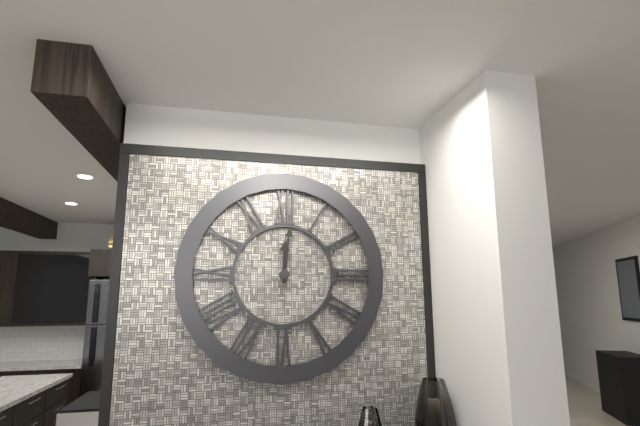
12:01
